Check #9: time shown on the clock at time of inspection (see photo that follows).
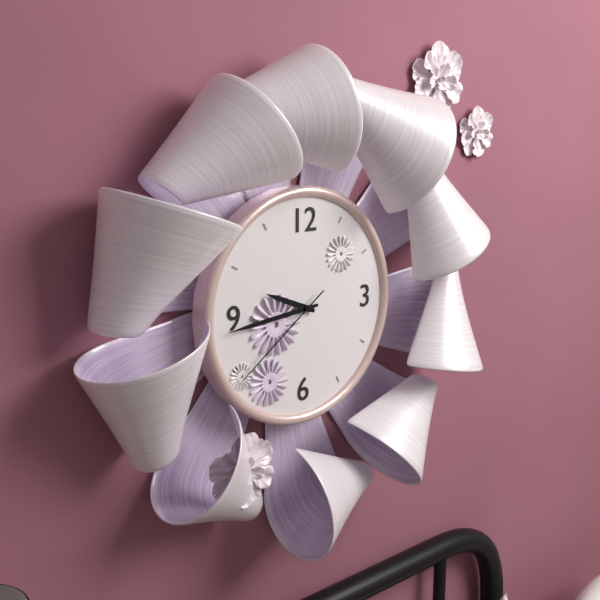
9:44:39
